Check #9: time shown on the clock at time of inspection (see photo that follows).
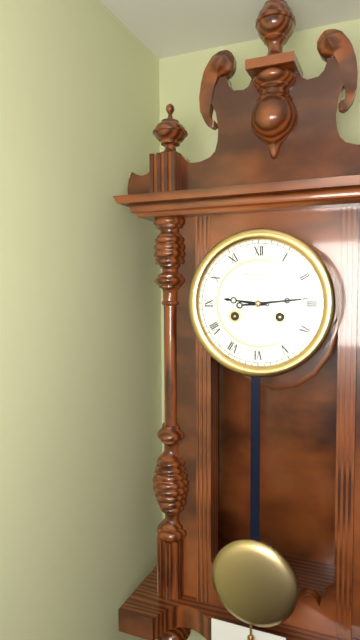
9:14
